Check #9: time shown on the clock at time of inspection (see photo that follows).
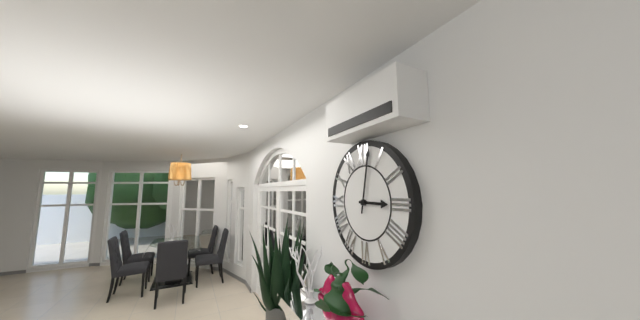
3:02
